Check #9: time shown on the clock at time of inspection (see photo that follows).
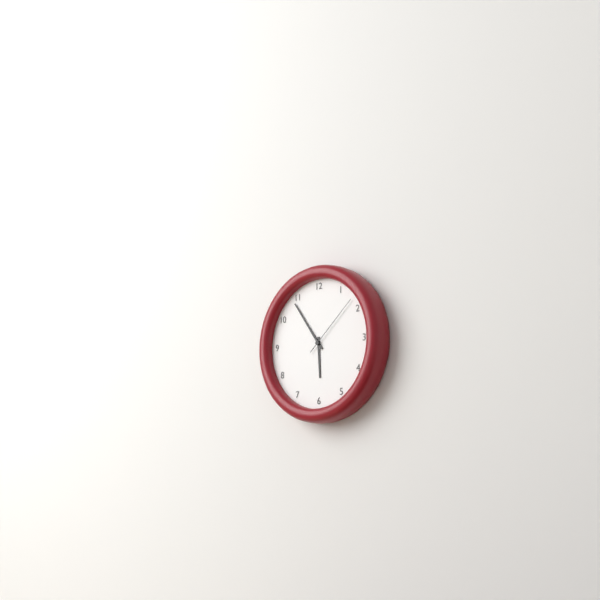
5:54:08
